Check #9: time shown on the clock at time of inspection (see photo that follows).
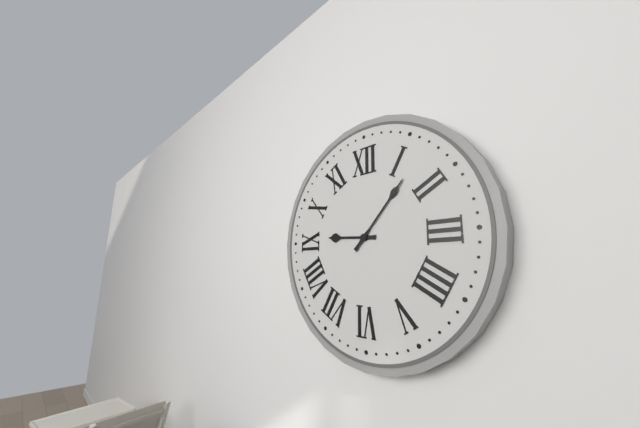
9:07
